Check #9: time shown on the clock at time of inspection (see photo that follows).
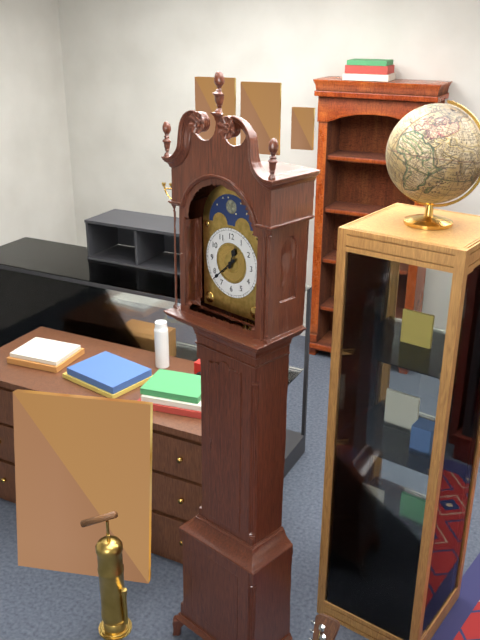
12:38
